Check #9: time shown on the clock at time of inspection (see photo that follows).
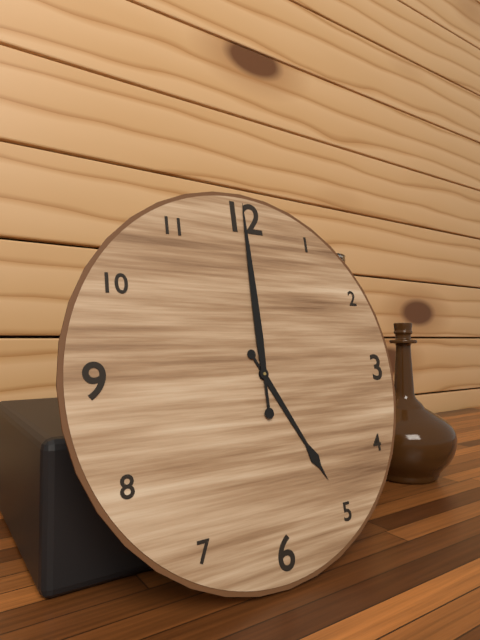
5:00
